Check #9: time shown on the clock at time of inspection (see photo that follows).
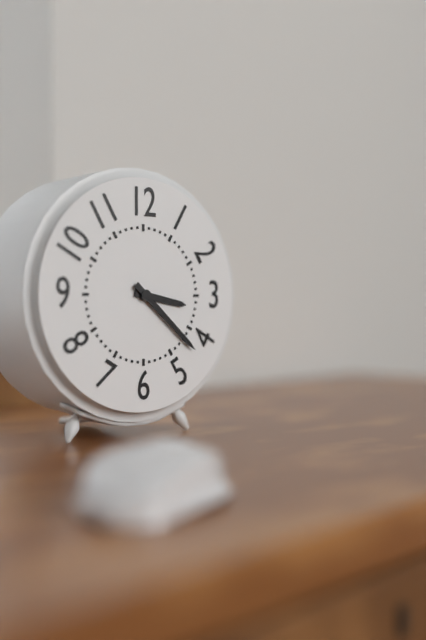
3:22
